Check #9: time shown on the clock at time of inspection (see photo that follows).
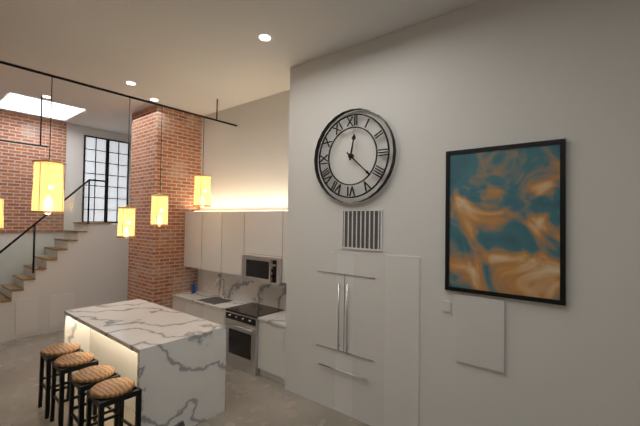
12:22
